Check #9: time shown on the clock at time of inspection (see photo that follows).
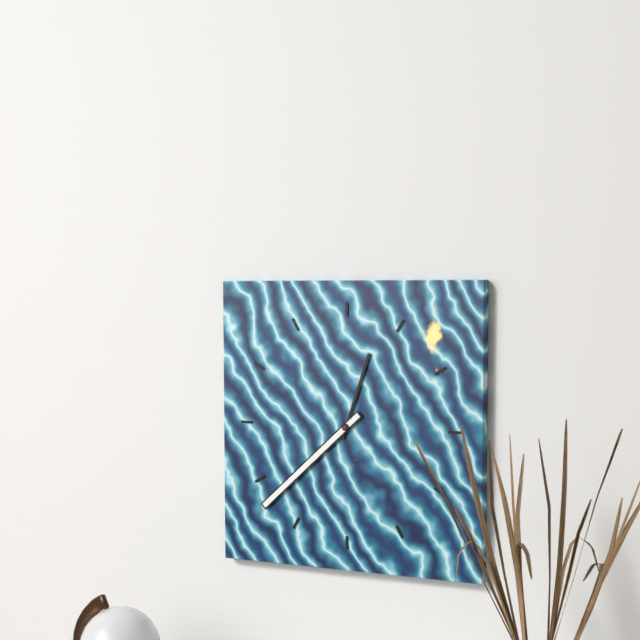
12:38
